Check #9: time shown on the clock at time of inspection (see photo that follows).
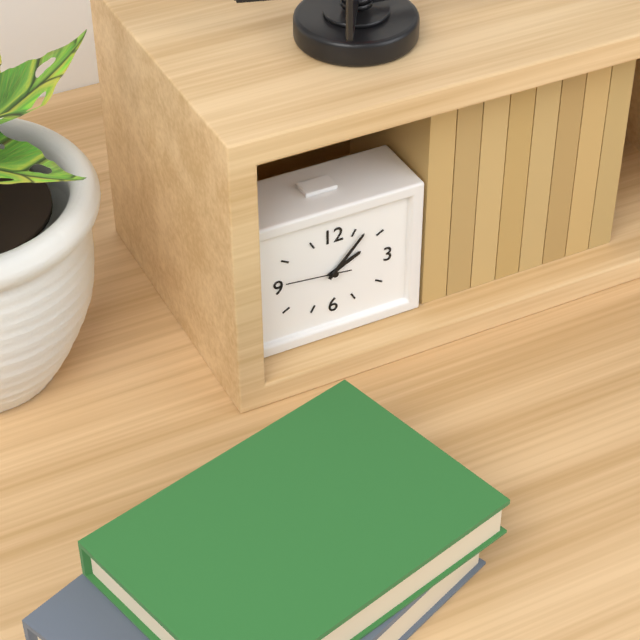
2:07:46
